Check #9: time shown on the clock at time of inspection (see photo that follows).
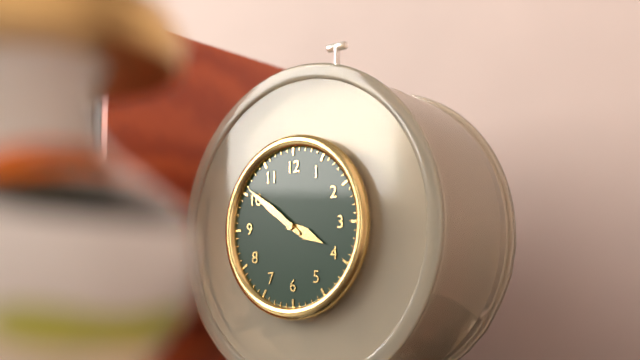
3:51
